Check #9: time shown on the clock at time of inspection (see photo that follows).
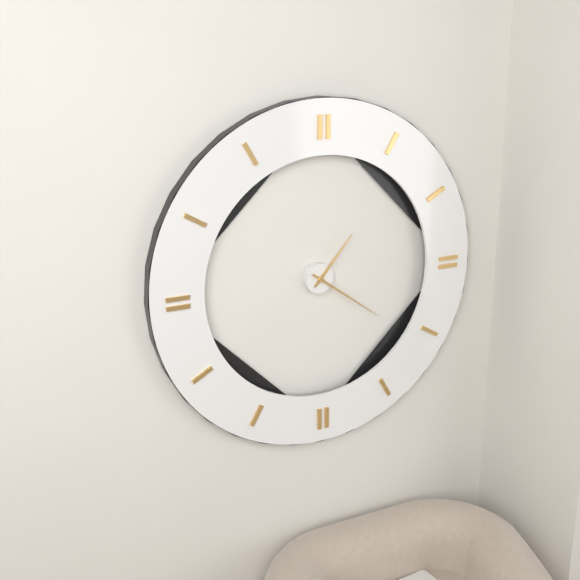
1:21
